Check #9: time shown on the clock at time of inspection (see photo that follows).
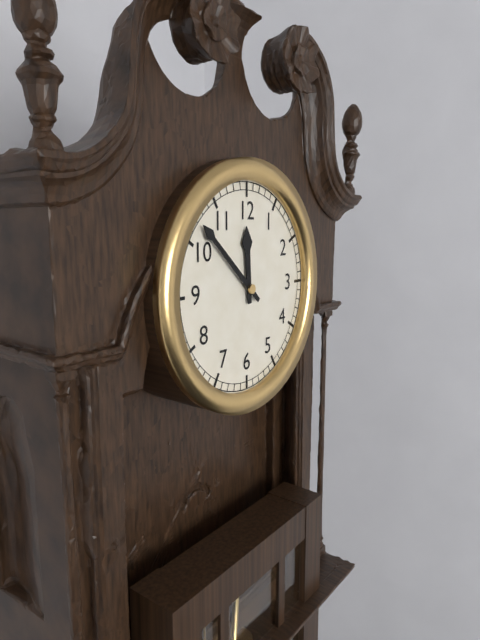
11:52
